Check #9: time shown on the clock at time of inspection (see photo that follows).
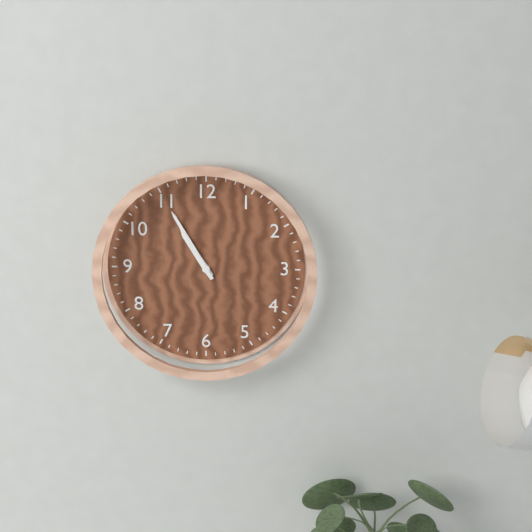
10:55
